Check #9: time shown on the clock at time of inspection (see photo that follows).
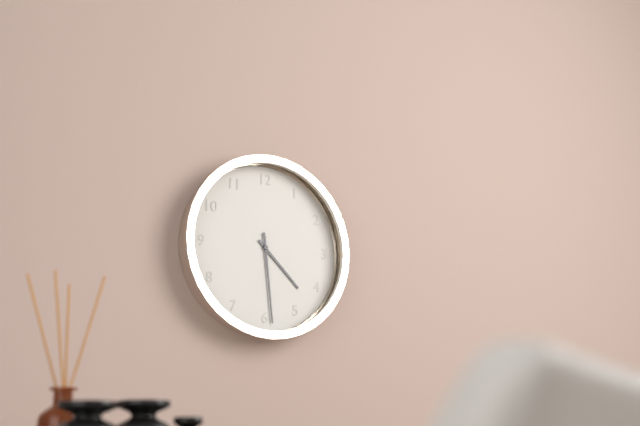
4:29
